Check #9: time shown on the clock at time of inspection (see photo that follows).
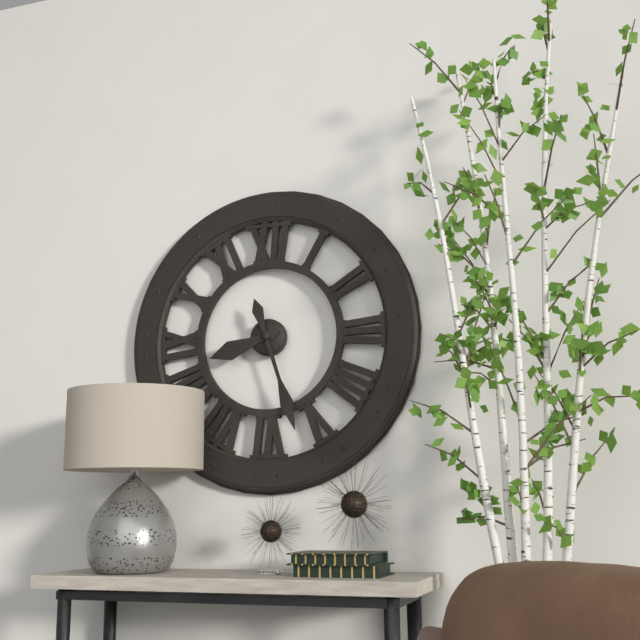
8:27
